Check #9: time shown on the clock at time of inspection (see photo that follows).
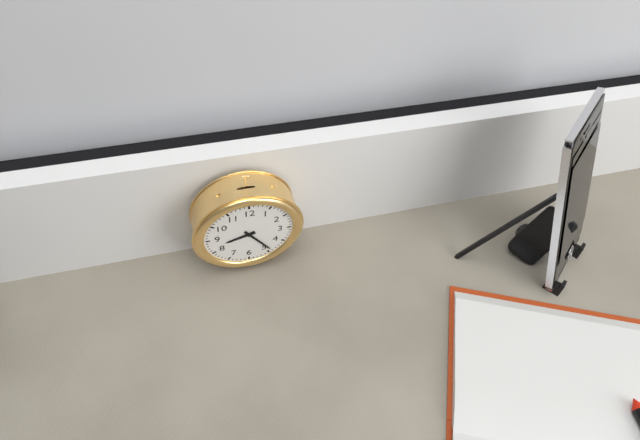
8:24
